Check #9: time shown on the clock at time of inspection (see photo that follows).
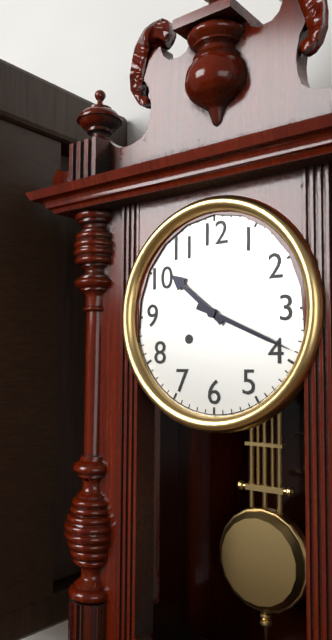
10:19
